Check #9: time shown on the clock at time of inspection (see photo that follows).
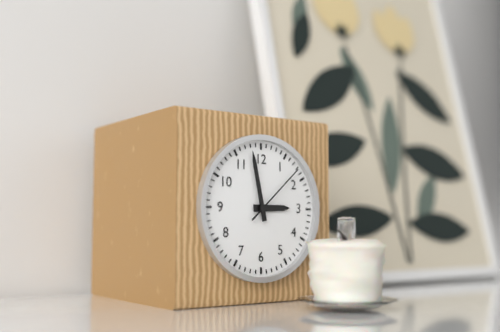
2:58:08
